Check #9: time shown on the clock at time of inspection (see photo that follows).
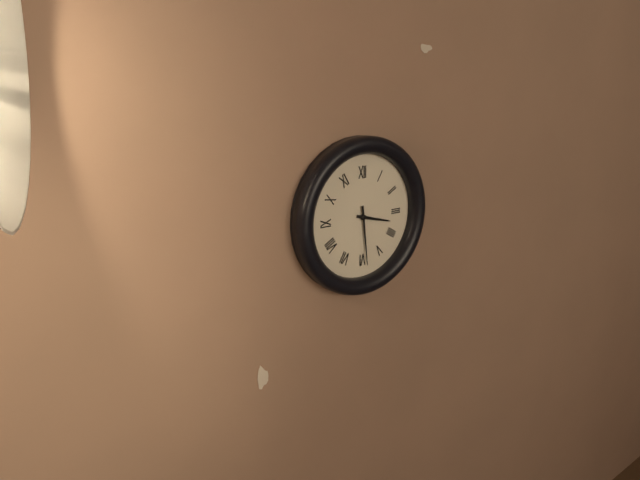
3:29
